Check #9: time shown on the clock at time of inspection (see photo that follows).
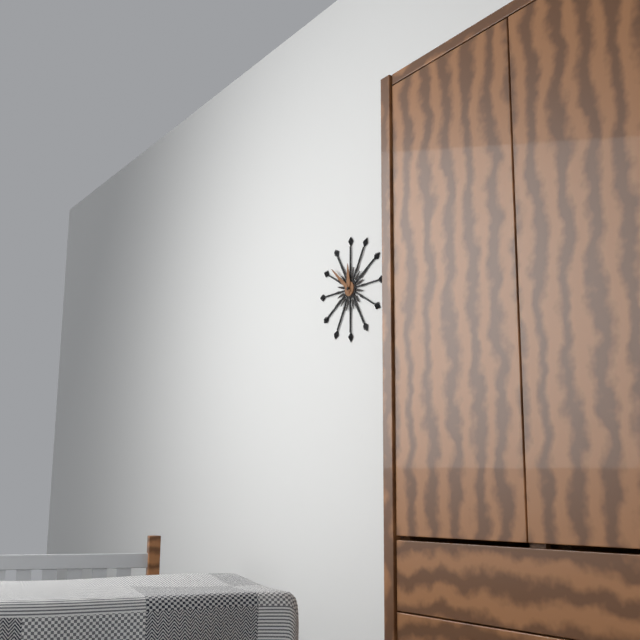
11:52
